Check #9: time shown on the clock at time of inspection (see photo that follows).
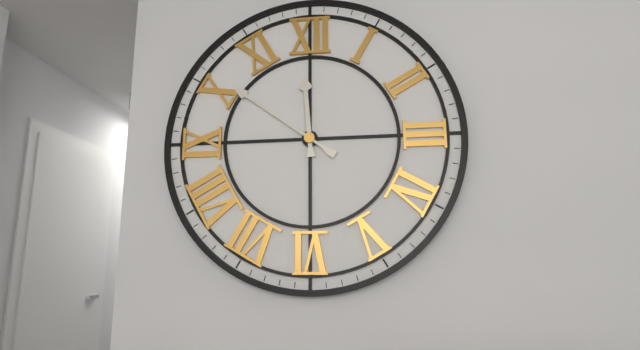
11:51
